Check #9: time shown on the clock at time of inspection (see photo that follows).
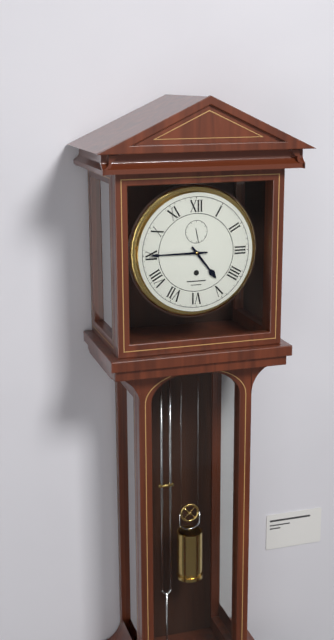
4:45
